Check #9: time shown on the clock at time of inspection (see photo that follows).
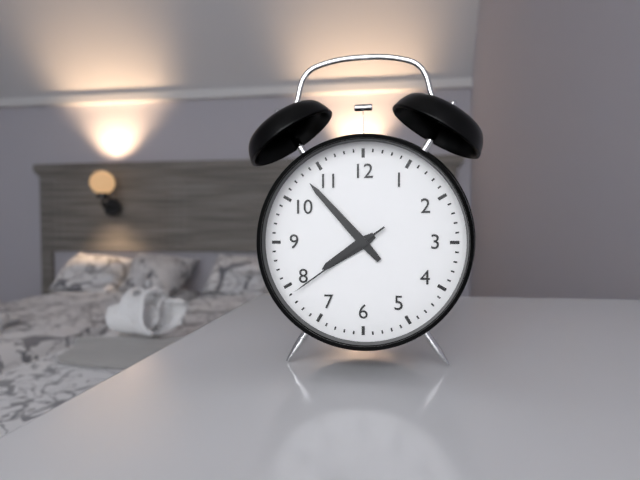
7:53:39
